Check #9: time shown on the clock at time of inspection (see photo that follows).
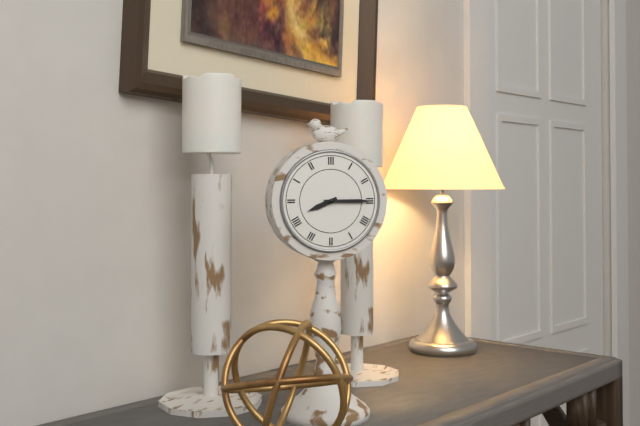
8:15
